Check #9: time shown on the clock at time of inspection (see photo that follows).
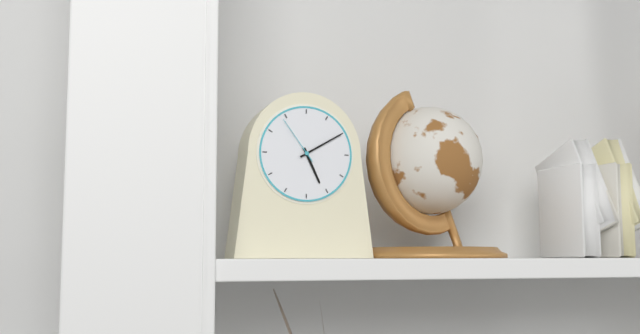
5:10:54
